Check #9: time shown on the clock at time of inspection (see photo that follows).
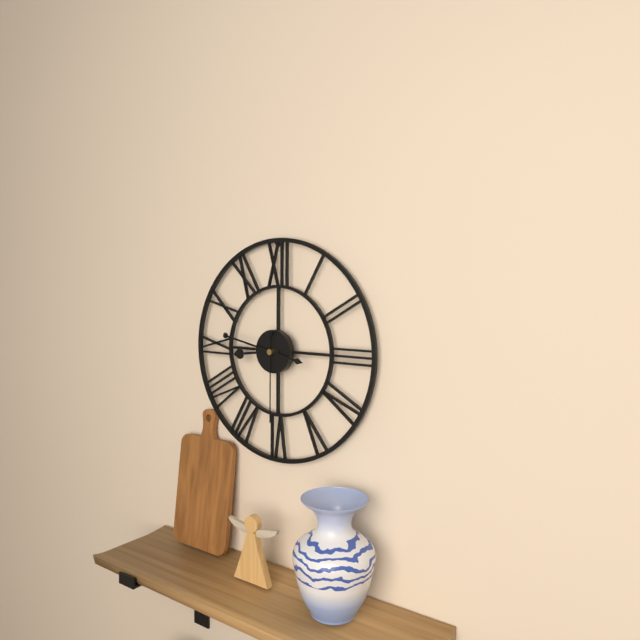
8:47:30
